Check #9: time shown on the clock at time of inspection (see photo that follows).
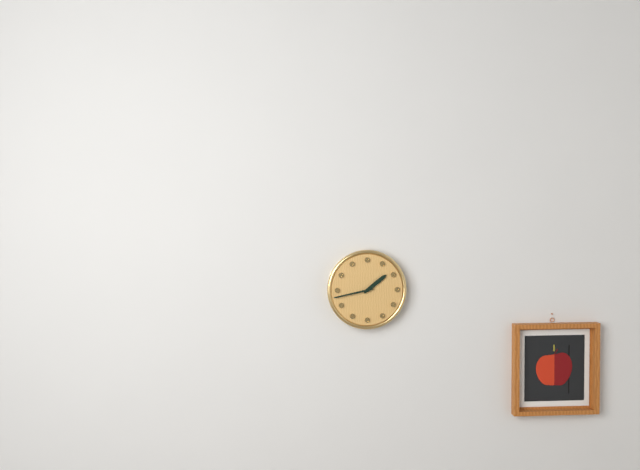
1:43
